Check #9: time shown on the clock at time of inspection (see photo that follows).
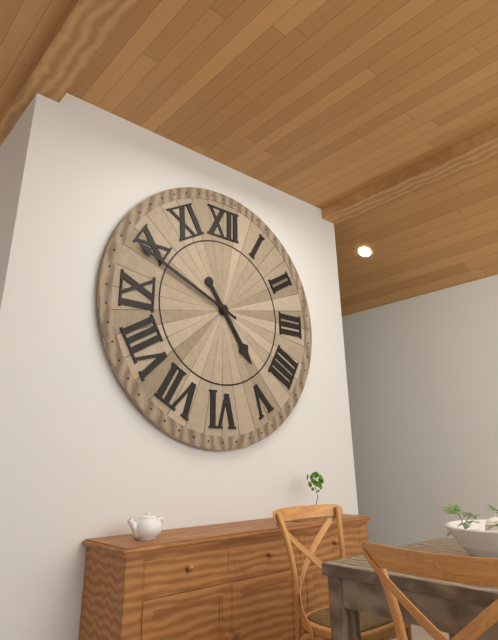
4:49
